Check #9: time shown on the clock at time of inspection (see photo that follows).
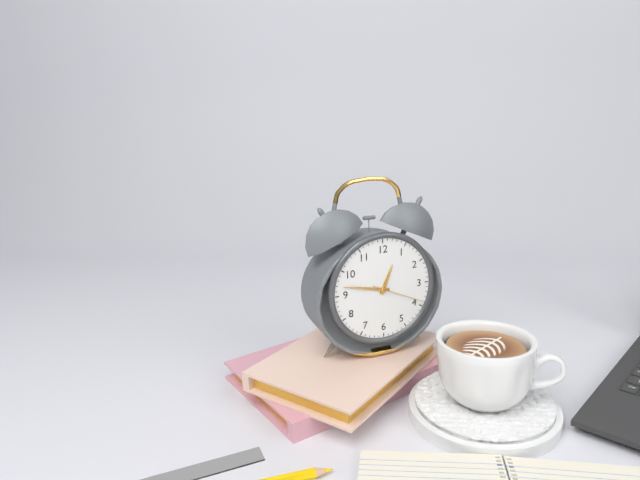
12:47:19
